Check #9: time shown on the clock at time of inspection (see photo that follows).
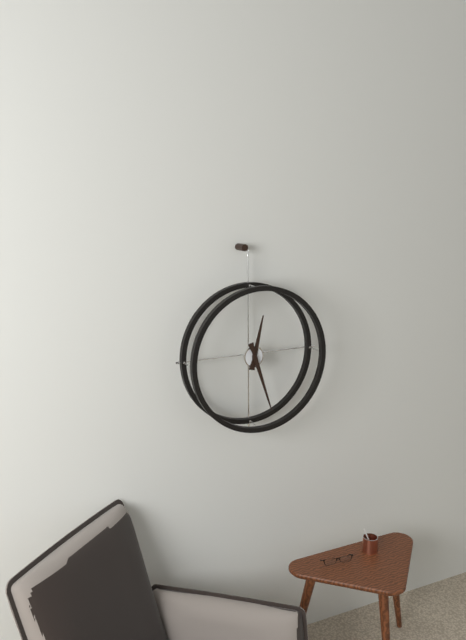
12:27
